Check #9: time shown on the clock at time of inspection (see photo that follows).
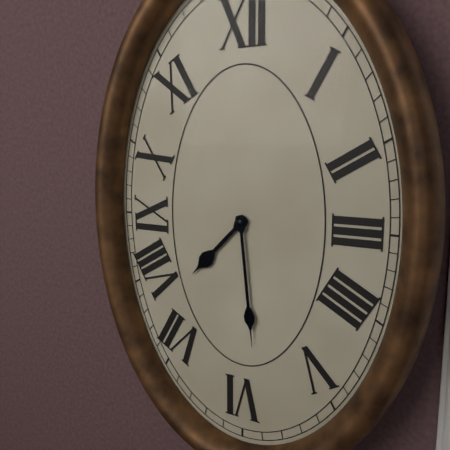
7:29
